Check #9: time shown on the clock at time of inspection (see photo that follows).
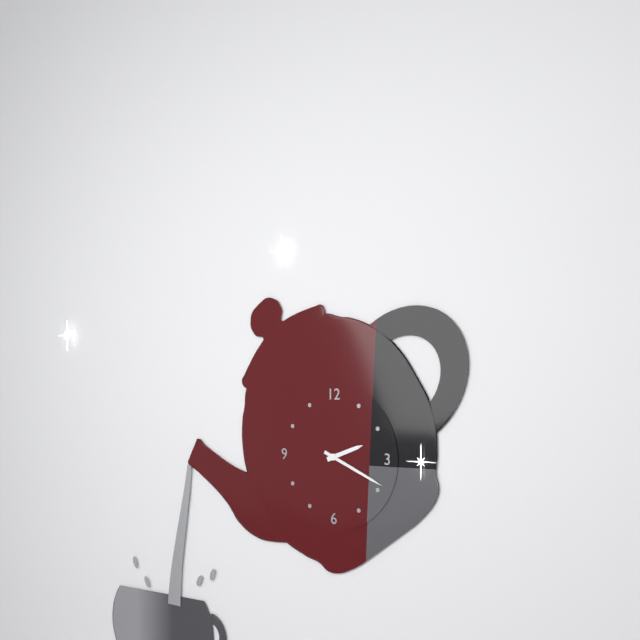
2:19
